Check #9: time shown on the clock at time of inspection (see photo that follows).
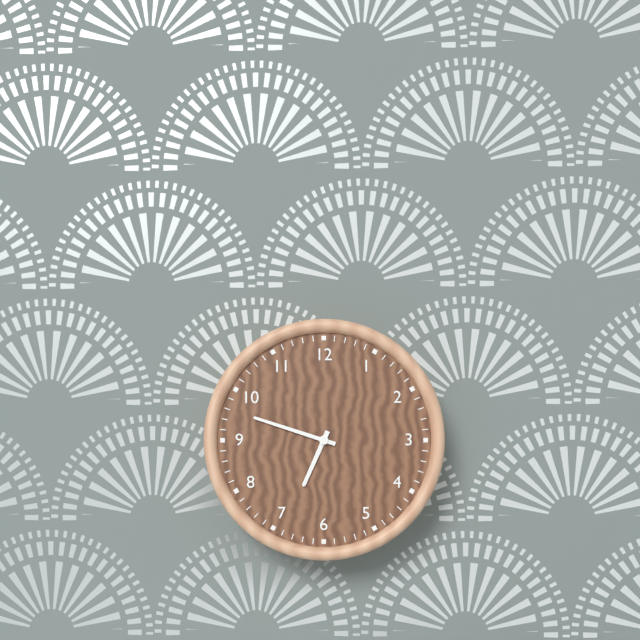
6:48
